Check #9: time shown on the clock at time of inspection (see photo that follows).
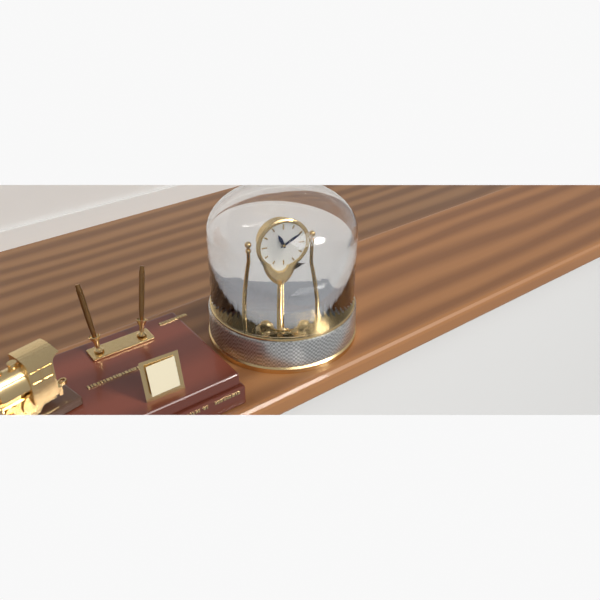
11:10
